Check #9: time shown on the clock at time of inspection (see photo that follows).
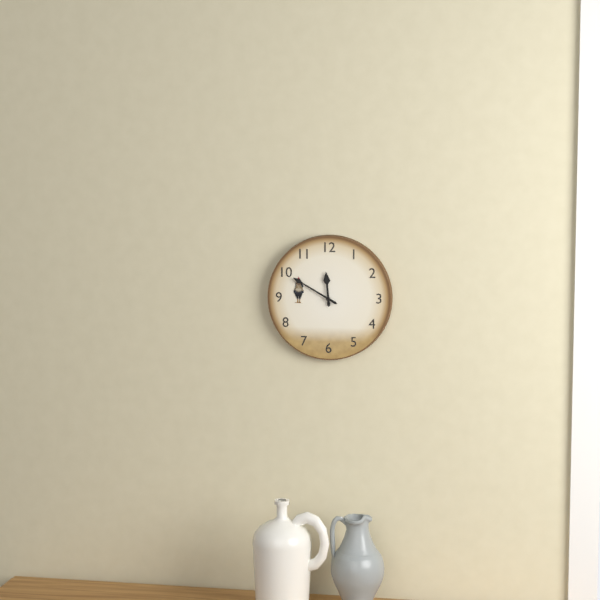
11:50
